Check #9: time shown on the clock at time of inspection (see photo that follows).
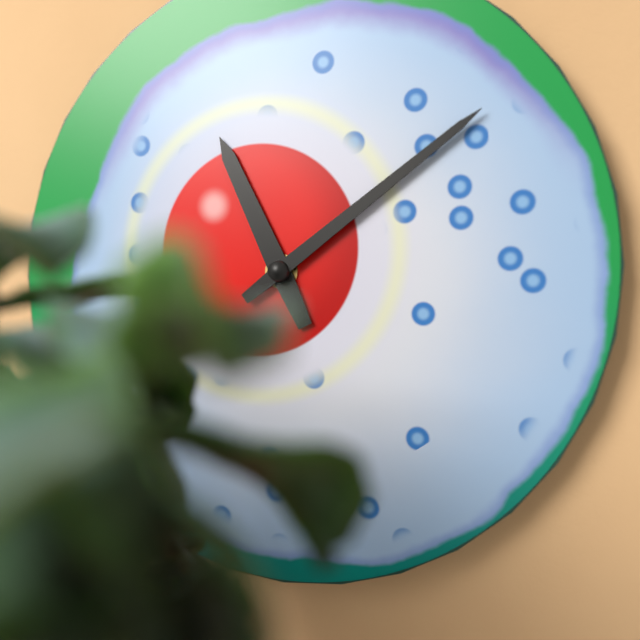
11:09
